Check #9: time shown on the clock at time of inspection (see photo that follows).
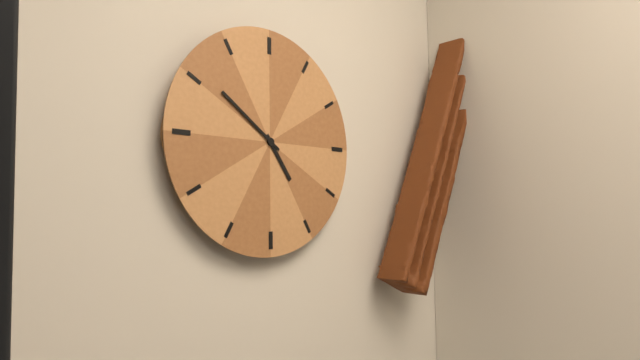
4:51
